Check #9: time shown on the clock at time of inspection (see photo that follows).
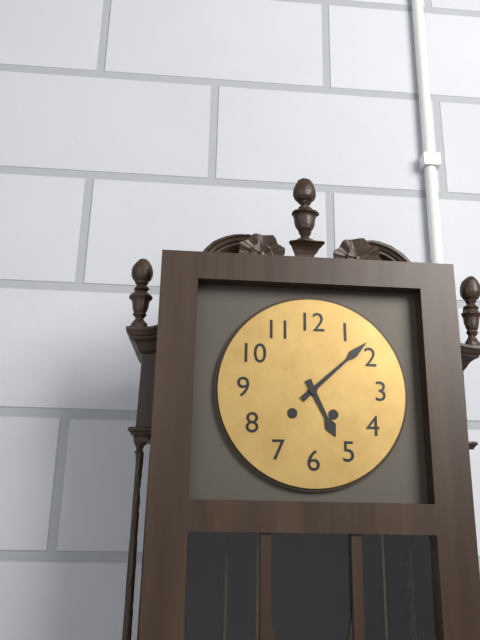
5:08
